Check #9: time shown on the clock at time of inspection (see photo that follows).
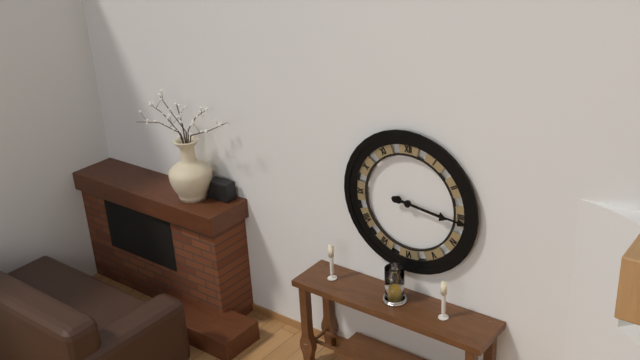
3:16
